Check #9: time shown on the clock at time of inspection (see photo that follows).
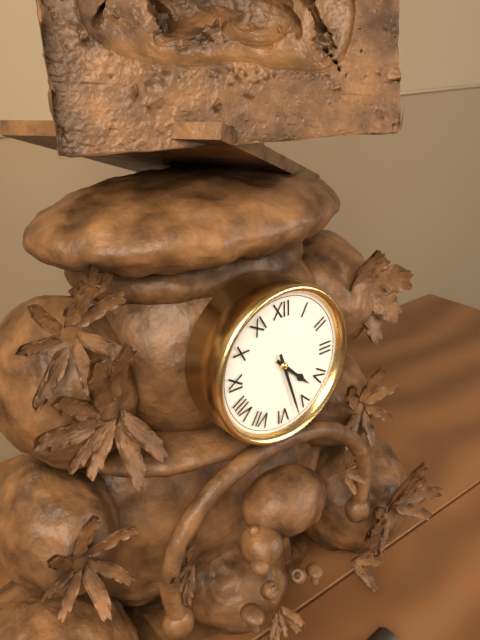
4:27
